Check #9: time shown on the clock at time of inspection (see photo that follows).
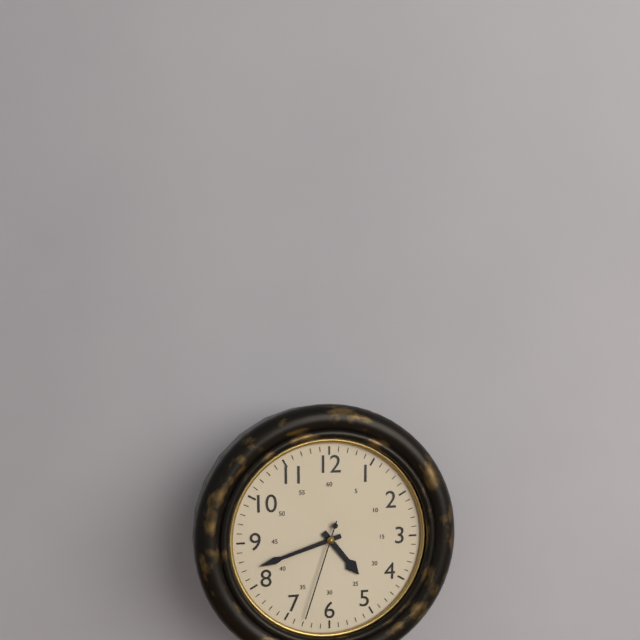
4:42:33
